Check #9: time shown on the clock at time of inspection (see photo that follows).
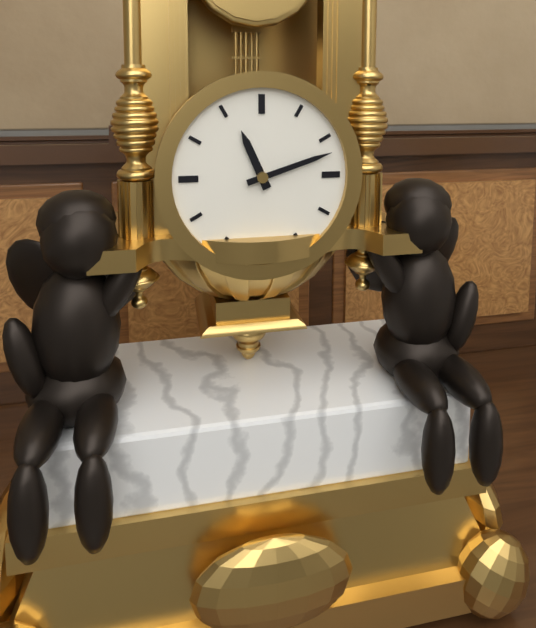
11:12
